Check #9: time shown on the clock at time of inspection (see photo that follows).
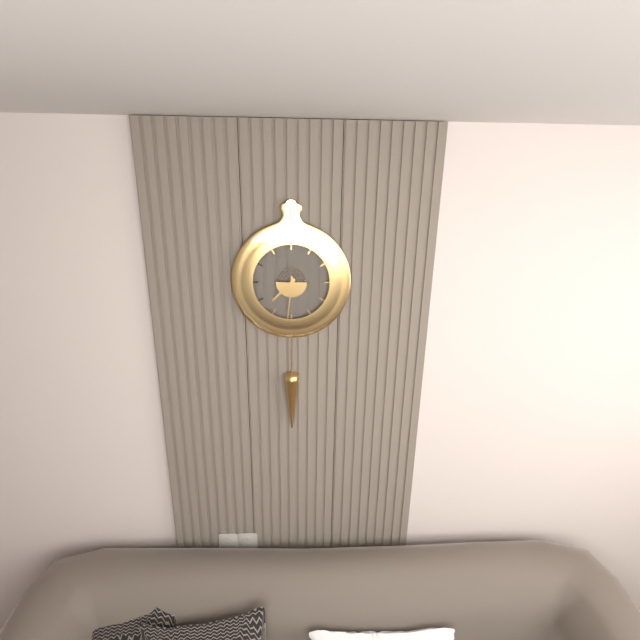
7:31
